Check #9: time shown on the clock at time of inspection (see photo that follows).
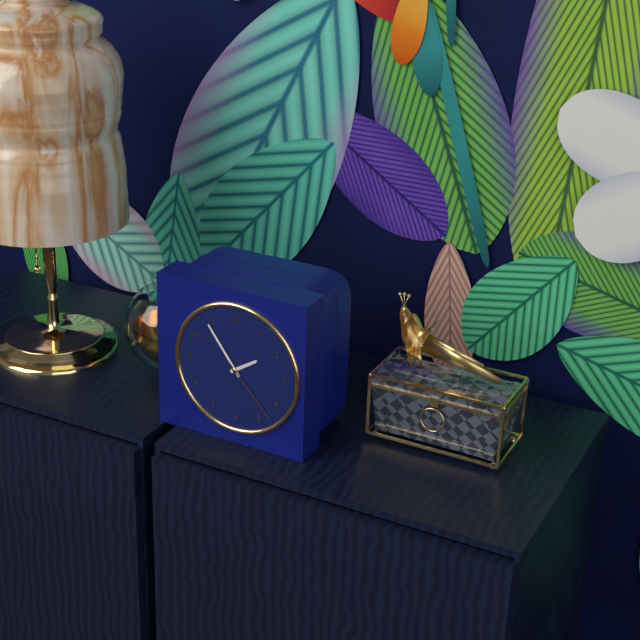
1:54:23
